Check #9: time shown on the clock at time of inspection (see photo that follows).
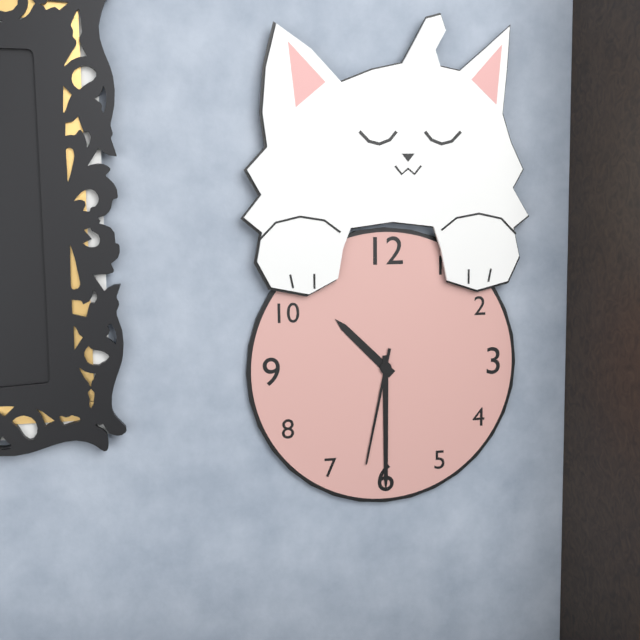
10:30:32
